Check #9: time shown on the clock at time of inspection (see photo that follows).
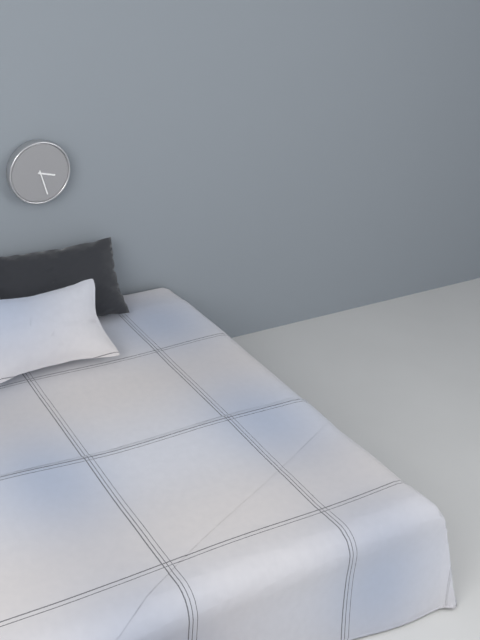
3:27
